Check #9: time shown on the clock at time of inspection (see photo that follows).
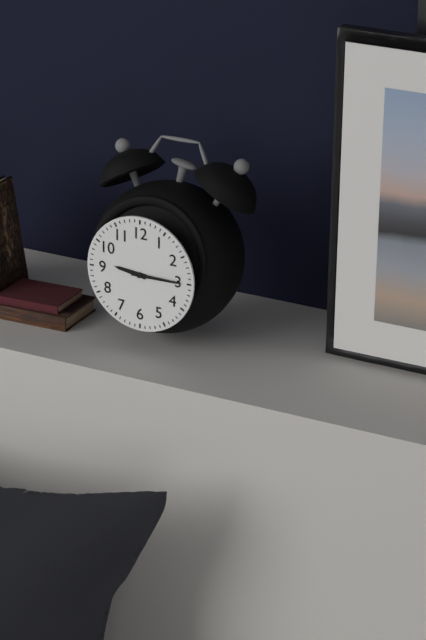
9:15
